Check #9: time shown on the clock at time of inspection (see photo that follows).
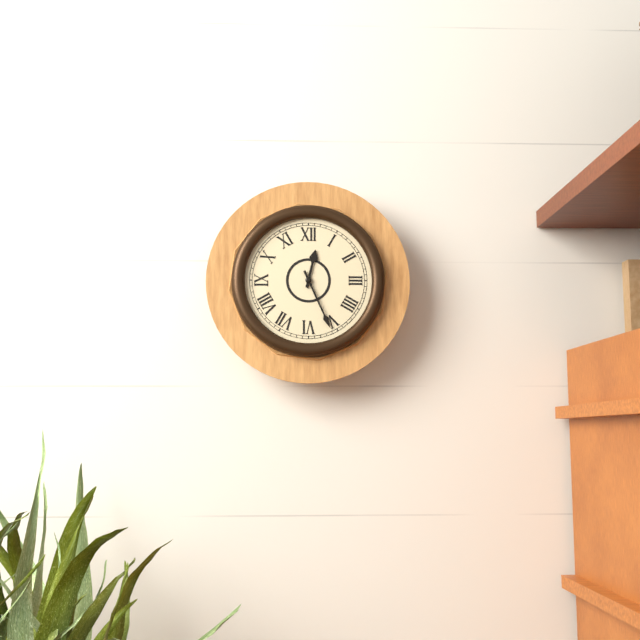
12:26
